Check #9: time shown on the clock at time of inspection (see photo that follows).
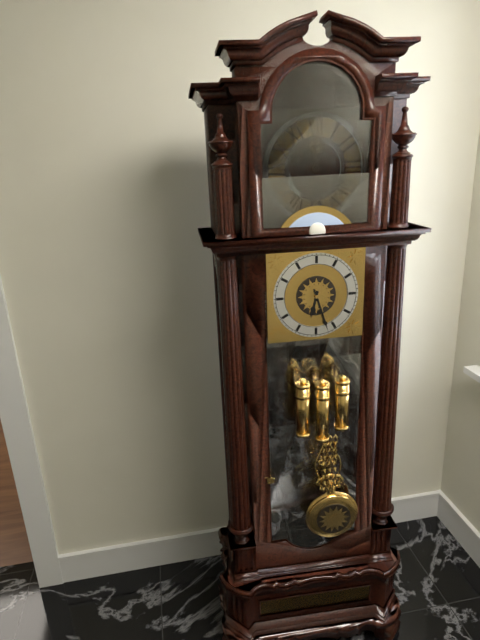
6:27
